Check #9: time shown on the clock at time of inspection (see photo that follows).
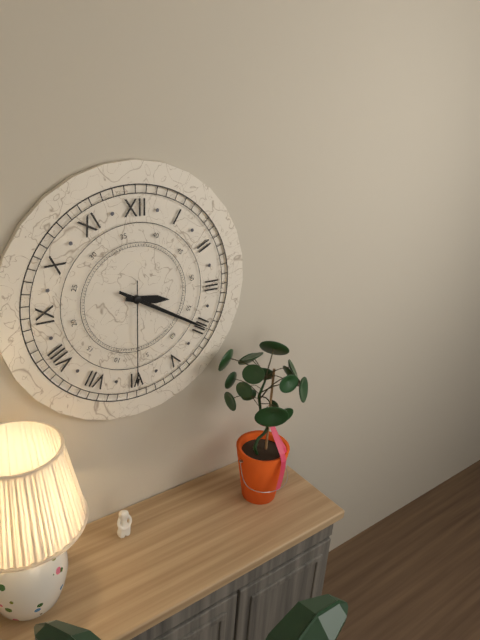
3:20:30
